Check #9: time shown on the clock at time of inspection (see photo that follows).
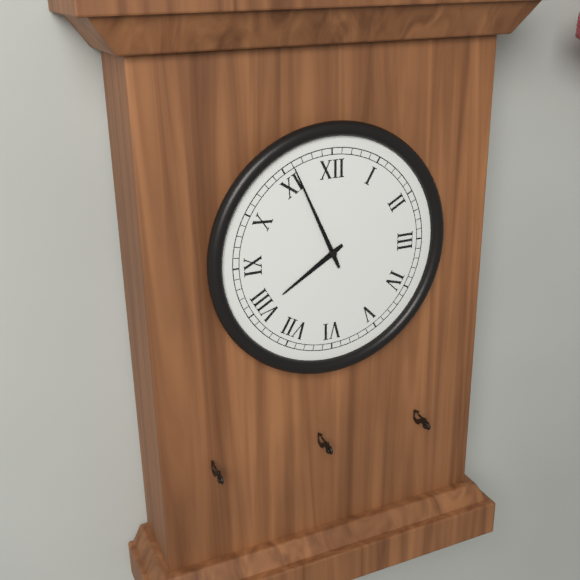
7:56
